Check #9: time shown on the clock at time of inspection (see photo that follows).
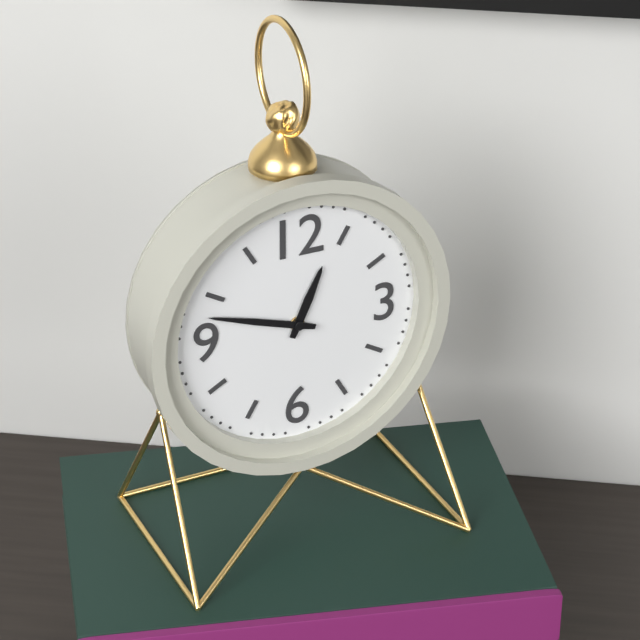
12:48
